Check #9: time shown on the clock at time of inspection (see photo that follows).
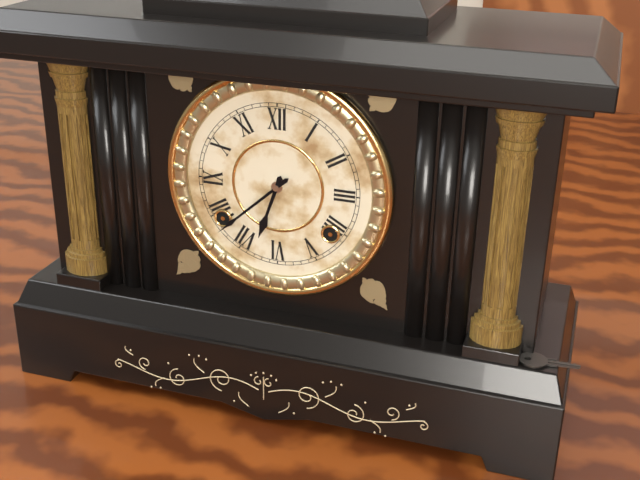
6:38
